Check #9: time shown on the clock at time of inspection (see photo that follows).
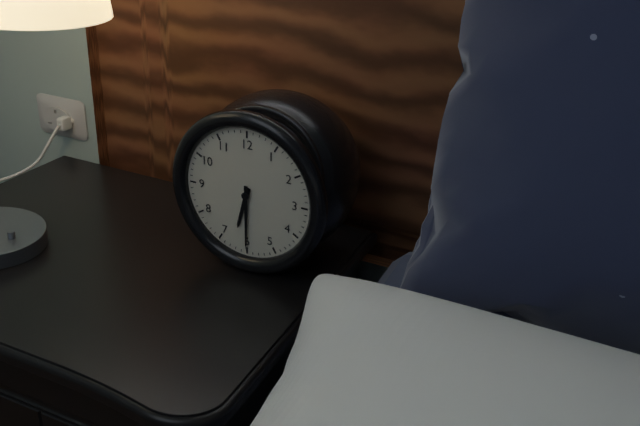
6:30
